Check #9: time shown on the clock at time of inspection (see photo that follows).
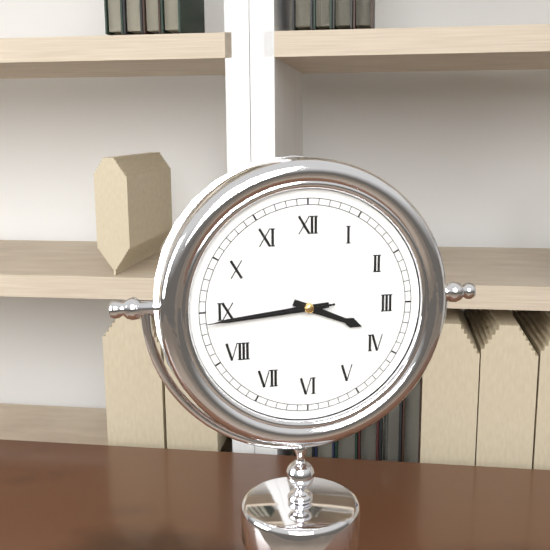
3:44:44
